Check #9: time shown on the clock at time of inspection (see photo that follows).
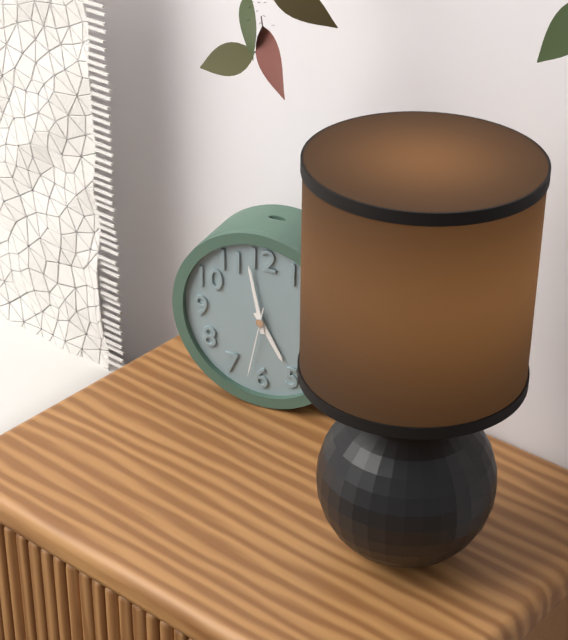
4:58:32
